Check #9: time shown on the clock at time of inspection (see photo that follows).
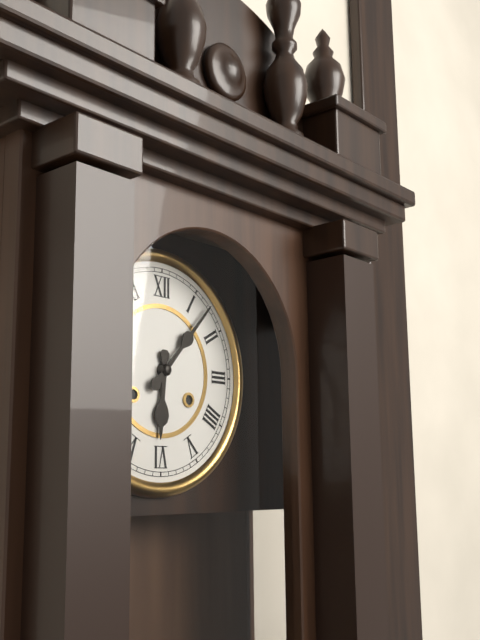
6:07
